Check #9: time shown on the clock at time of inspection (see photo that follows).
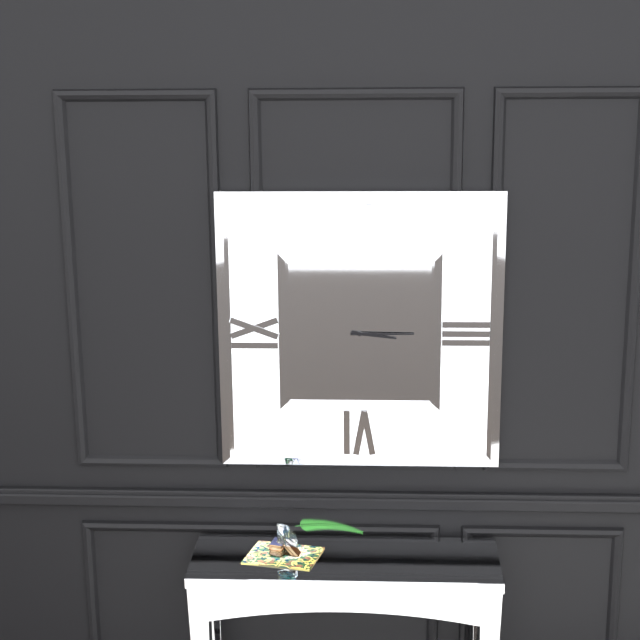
3:15
